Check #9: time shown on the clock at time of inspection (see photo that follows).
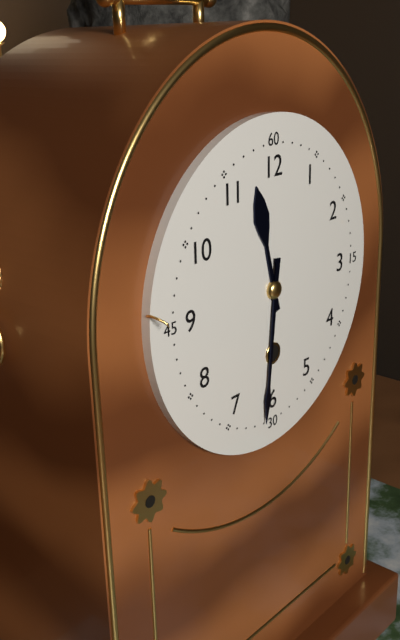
11:31
